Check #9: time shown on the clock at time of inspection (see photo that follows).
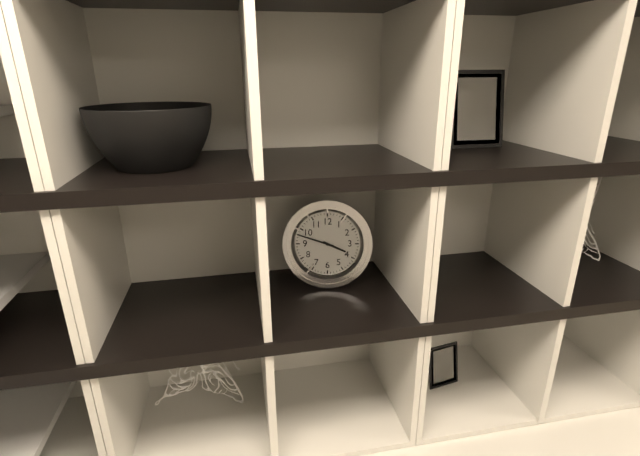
3:48
